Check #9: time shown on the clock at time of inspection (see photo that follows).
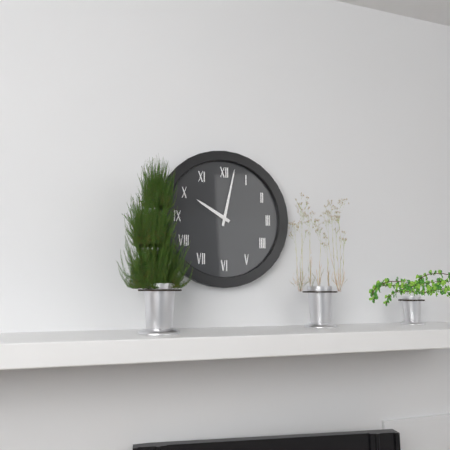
10:02
